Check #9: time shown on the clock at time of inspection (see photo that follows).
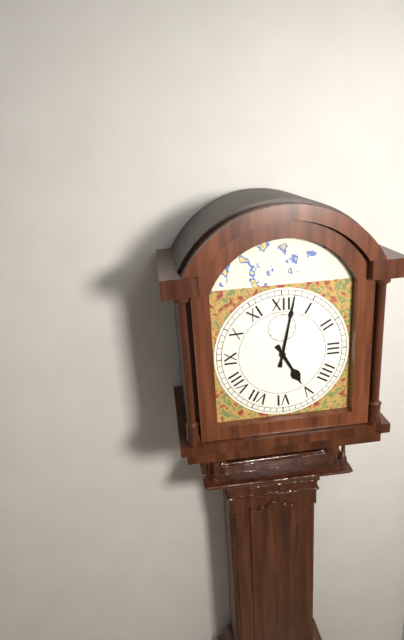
5:02
